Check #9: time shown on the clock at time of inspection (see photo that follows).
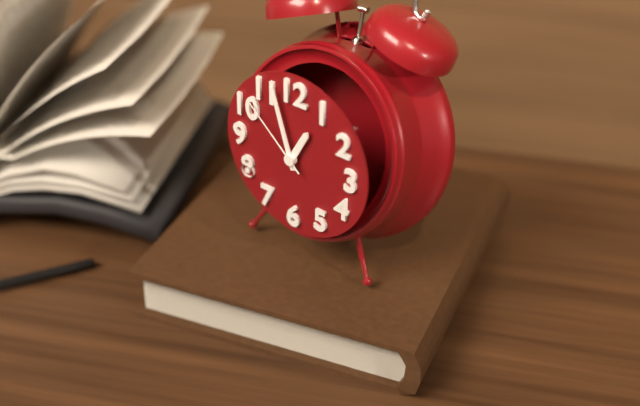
12:57:52
